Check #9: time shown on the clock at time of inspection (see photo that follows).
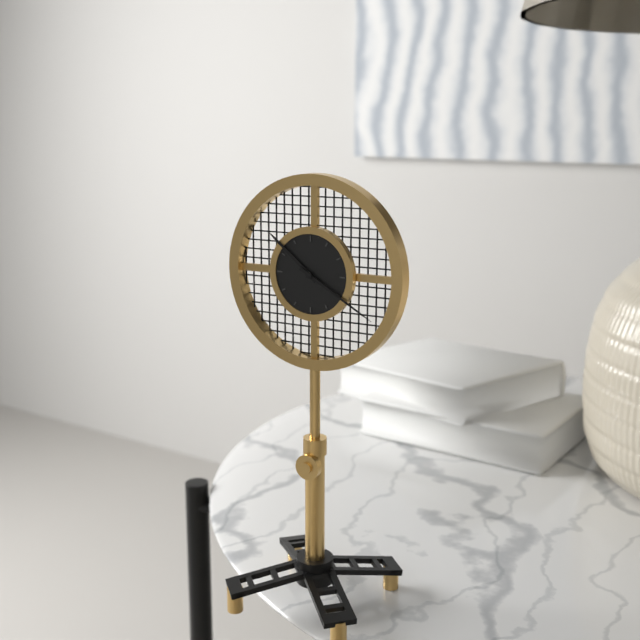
10:20
